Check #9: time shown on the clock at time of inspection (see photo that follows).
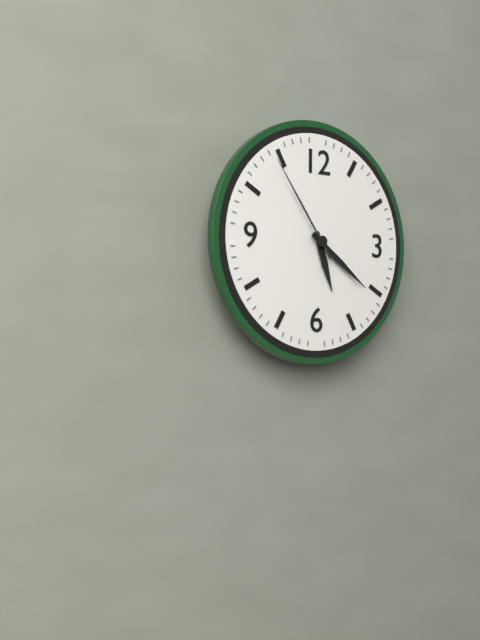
5:21:54
